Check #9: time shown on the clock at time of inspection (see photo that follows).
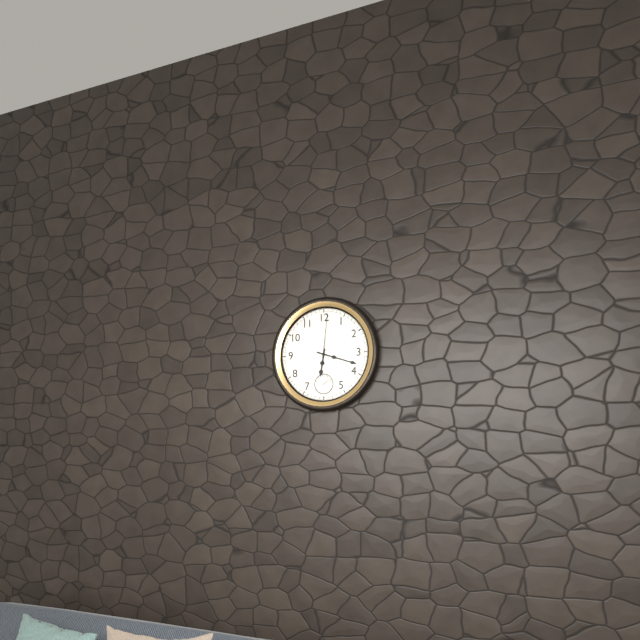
6:18:01
